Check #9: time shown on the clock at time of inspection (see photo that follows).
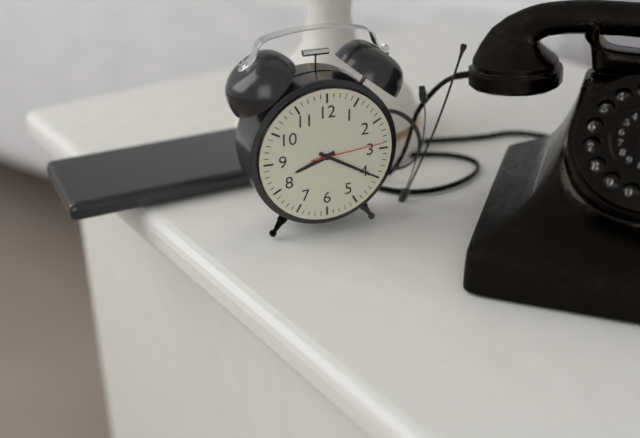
8:20:14
